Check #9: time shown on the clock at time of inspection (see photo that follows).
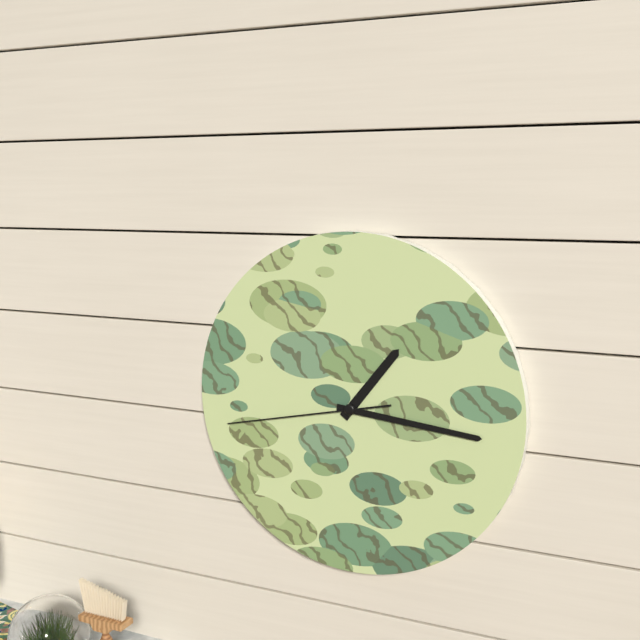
1:16:43
